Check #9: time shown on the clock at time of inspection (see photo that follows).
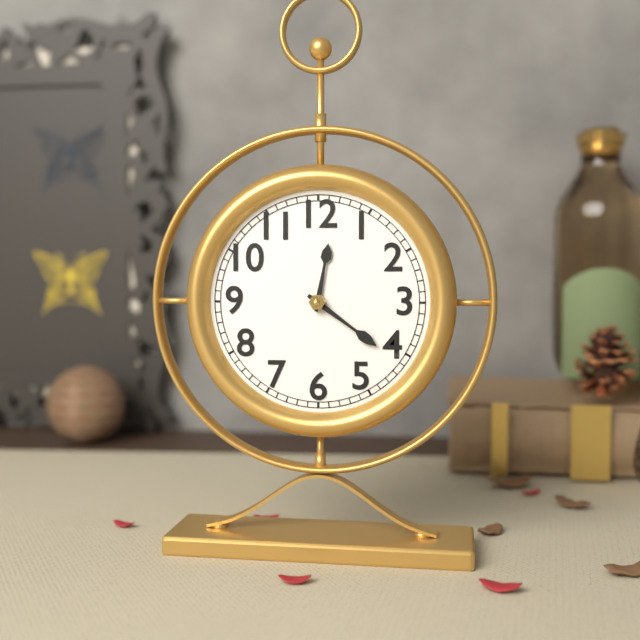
12:21
